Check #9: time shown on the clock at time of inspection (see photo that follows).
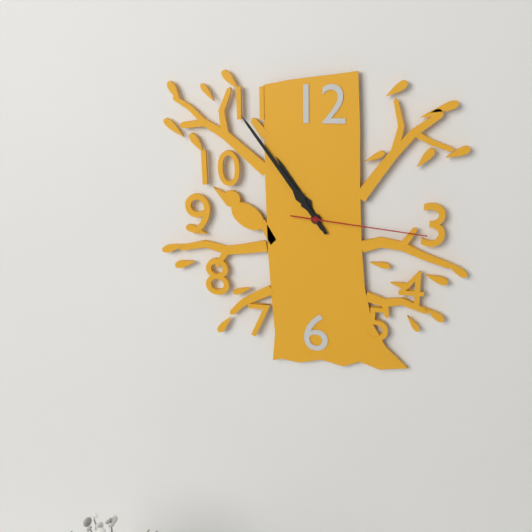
10:54:16
